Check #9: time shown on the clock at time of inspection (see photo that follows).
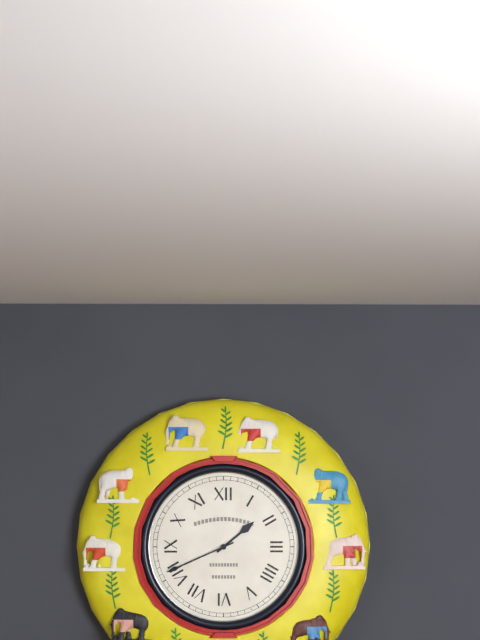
1:41
